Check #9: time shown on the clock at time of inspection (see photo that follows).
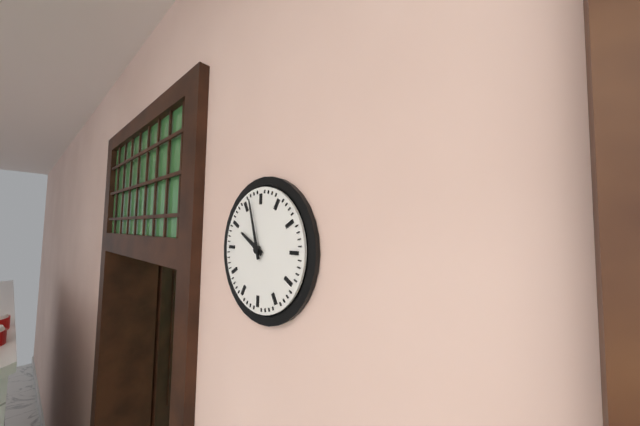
9:57
